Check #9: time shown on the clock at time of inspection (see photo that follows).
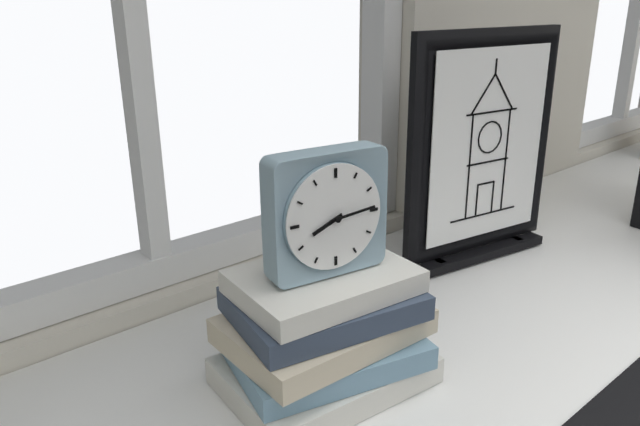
8:14
